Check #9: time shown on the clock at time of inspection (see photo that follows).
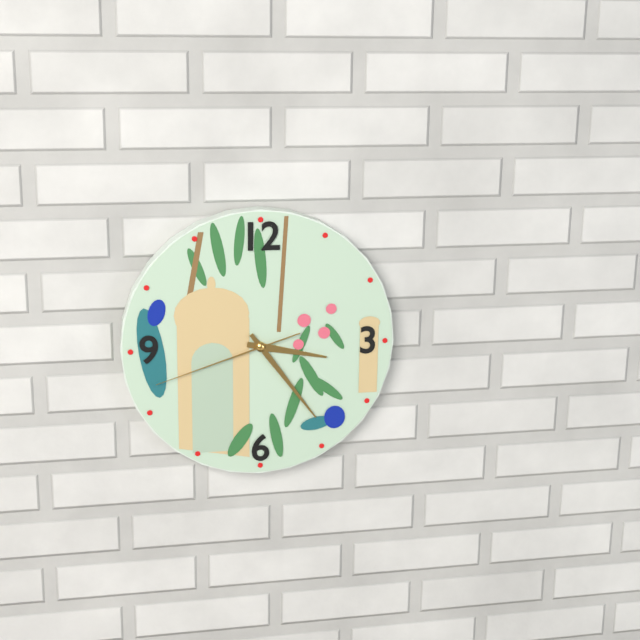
3:24:42
